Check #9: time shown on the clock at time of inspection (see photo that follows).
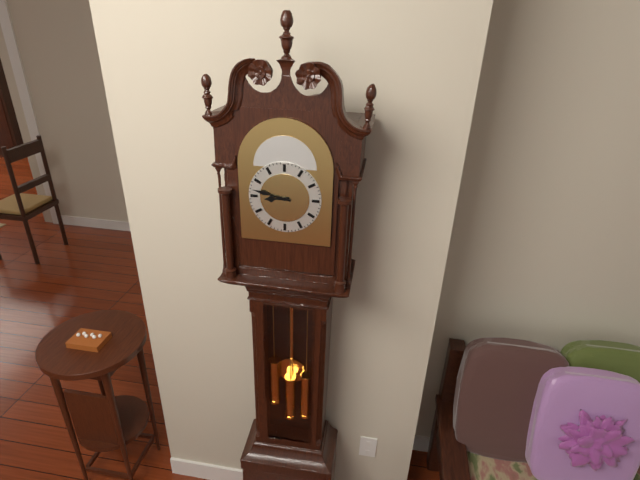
8:47
